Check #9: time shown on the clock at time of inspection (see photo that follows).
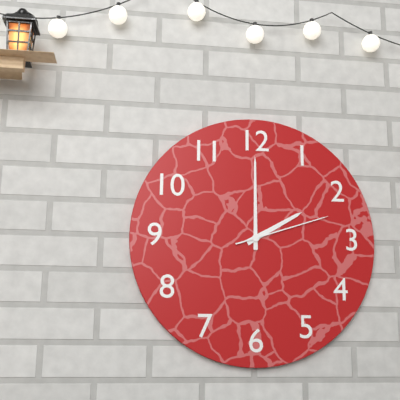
2:00:12
